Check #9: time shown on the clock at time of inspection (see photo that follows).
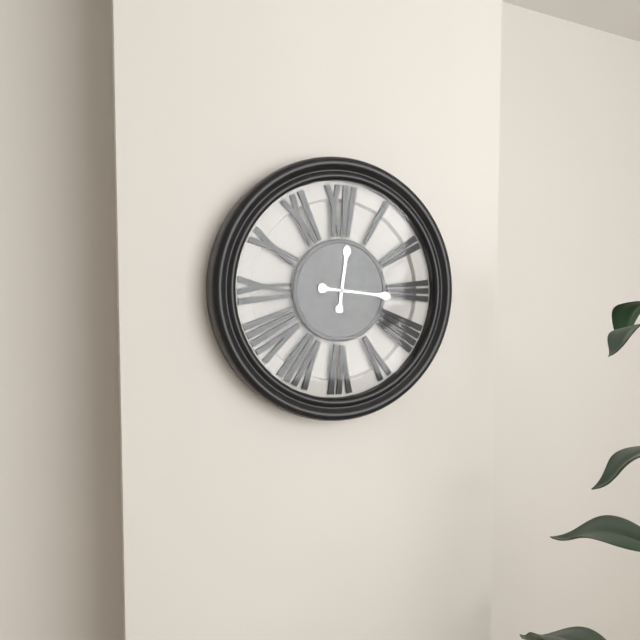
12:16
